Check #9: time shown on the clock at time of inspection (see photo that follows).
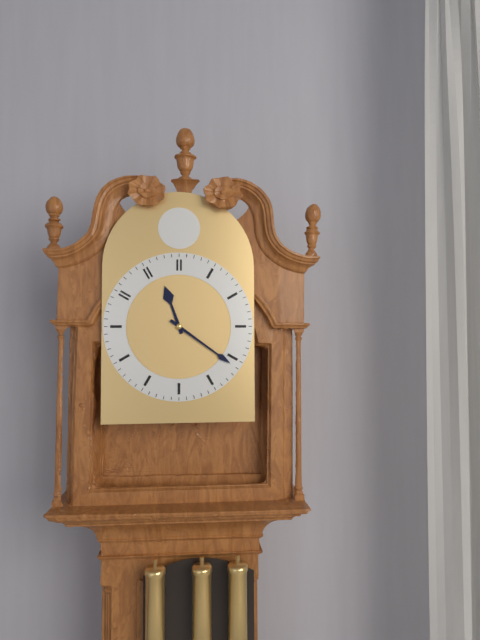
11:21
